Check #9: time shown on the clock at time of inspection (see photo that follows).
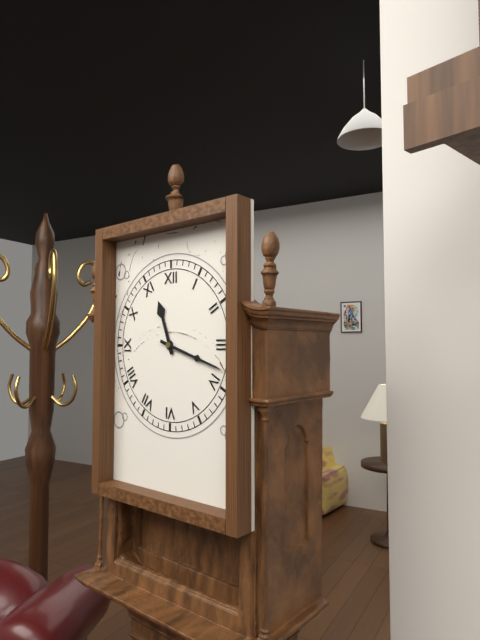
11:18
